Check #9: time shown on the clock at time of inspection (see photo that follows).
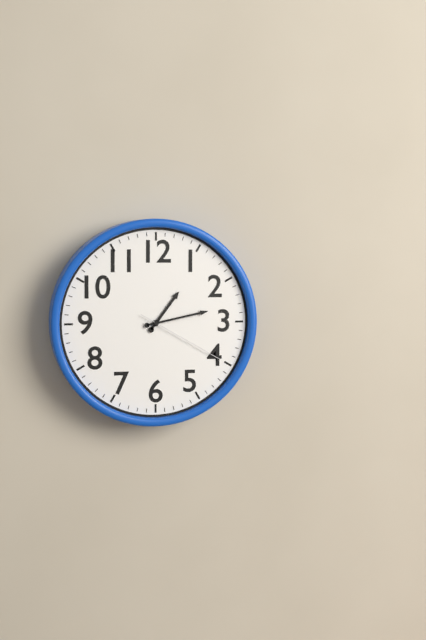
1:13:20
